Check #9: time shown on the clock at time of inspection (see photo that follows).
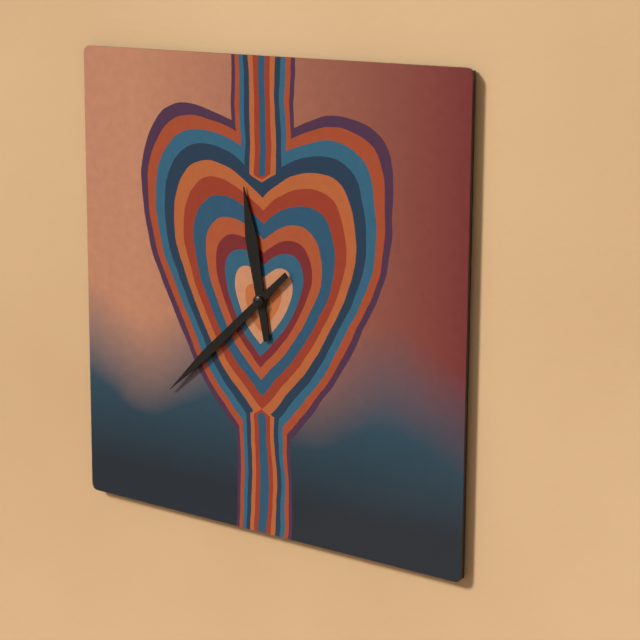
11:38
